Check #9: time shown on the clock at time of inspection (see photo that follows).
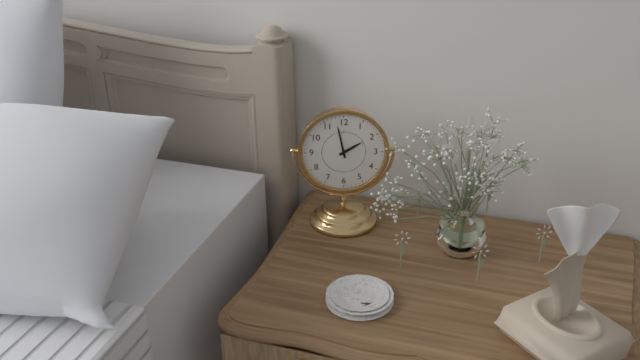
1:58
